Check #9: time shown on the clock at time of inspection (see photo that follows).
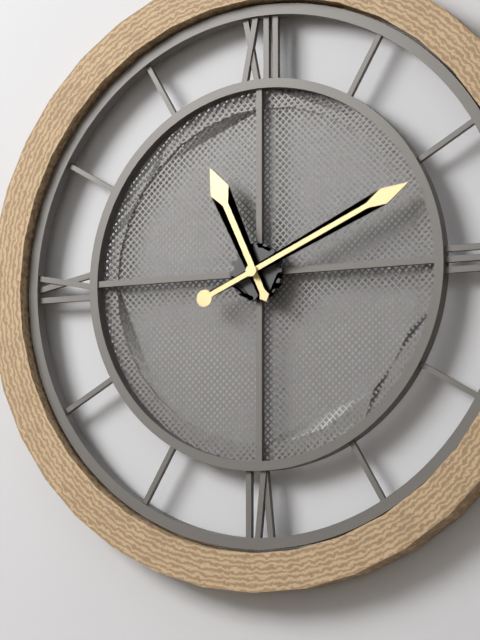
11:11
